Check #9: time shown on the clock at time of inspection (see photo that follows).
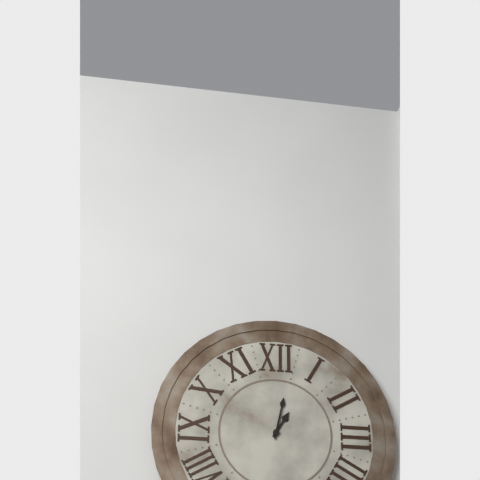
1:02
